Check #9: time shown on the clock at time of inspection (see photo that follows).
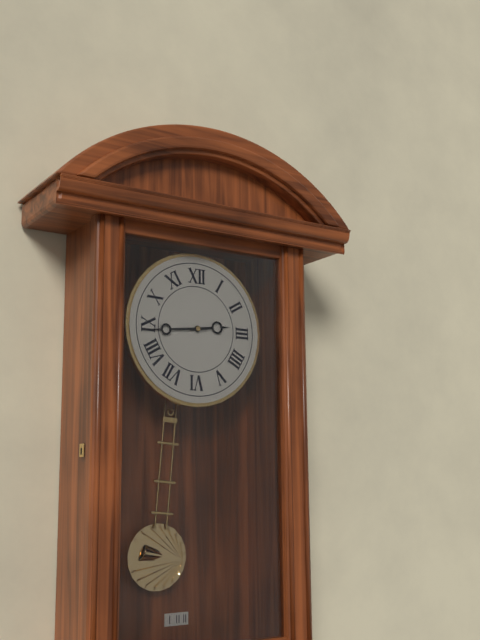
2:44
